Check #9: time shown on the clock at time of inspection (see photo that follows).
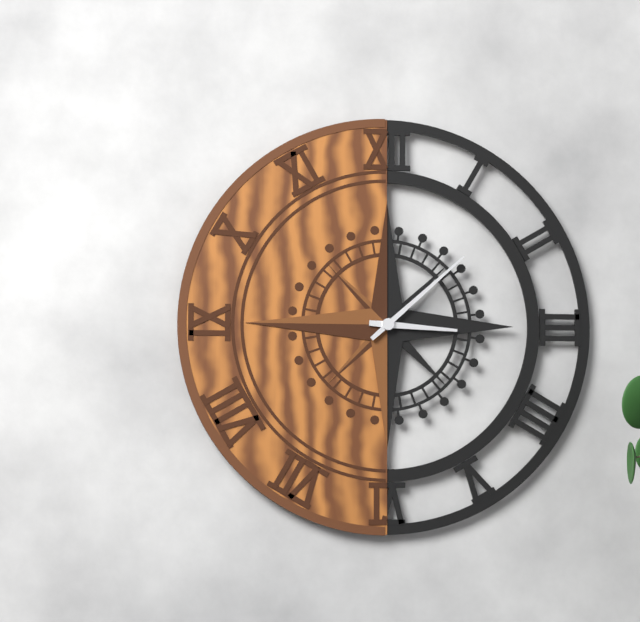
3:08
